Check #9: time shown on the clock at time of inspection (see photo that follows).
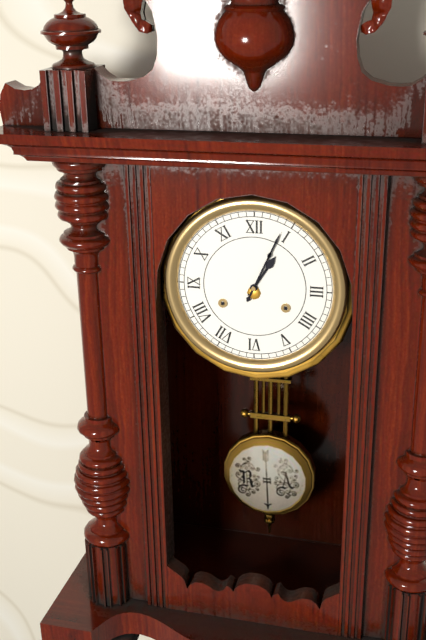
1:04
